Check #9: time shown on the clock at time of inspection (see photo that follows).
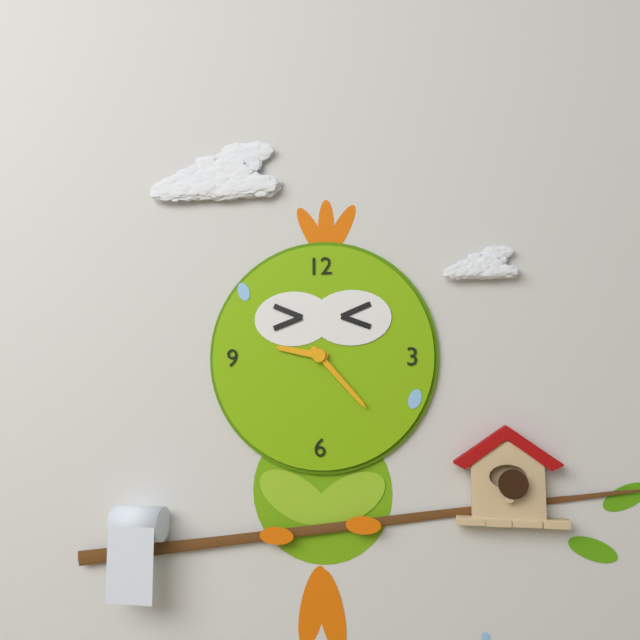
9:23
